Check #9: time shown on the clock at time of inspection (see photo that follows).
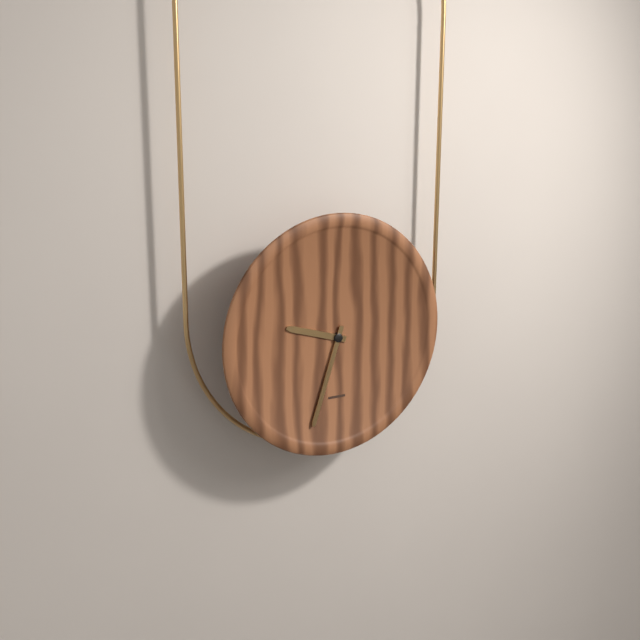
9:33
